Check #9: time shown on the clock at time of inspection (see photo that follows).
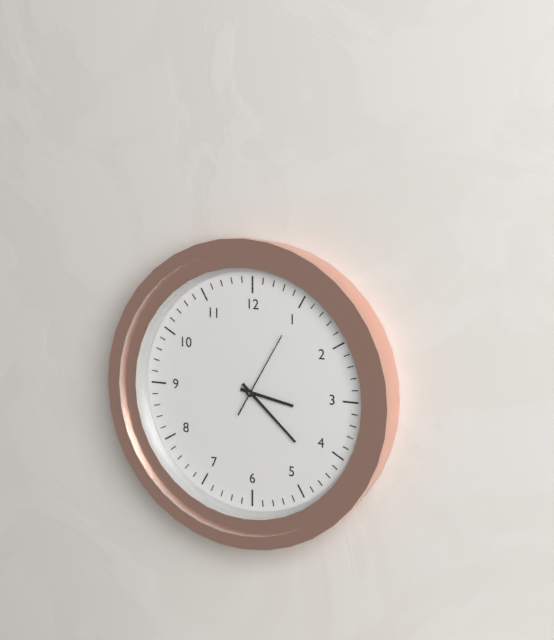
3:22:05
